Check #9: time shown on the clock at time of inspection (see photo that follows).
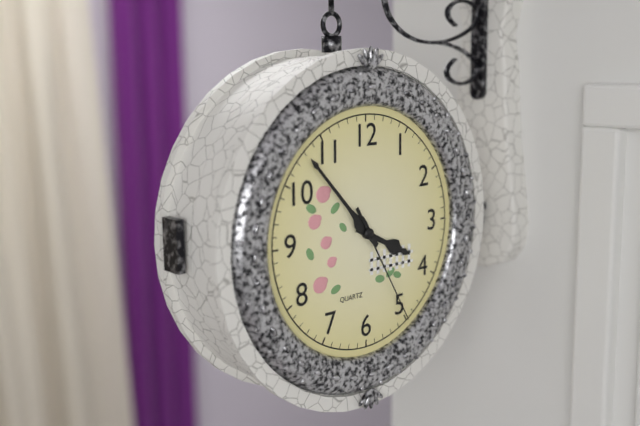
3:53:25
